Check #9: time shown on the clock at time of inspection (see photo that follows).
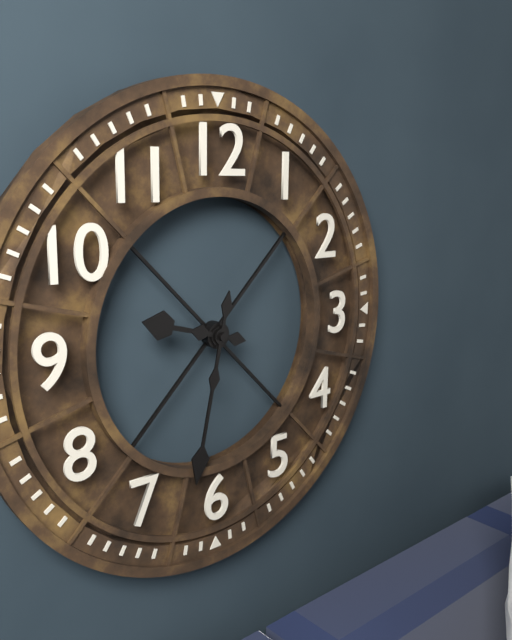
9:32
